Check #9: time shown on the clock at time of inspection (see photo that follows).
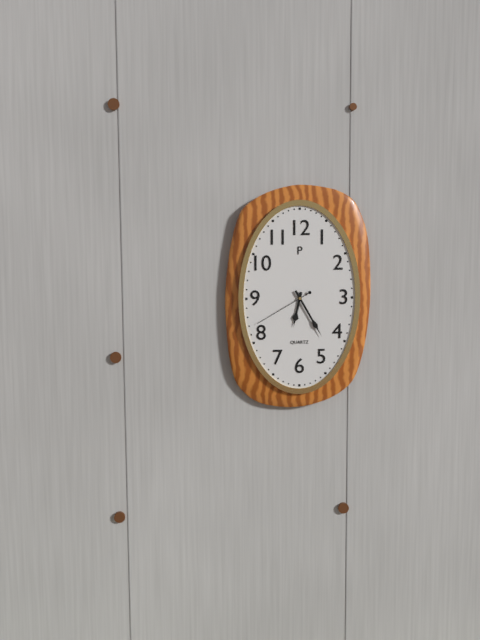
6:25:40
